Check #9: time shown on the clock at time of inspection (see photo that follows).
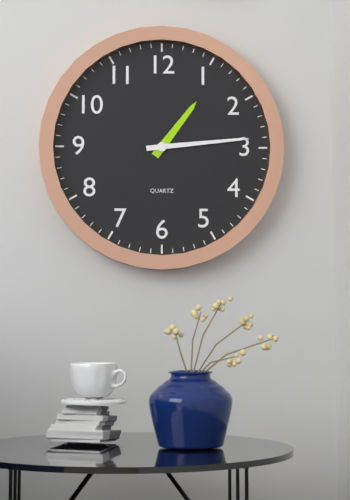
1:14
